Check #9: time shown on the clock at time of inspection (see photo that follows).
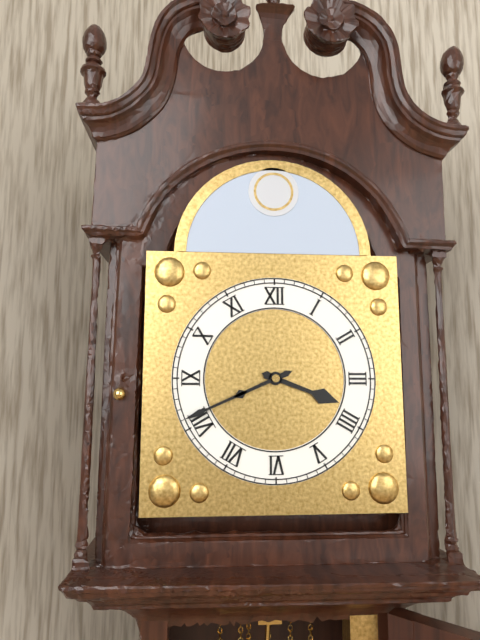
3:41
